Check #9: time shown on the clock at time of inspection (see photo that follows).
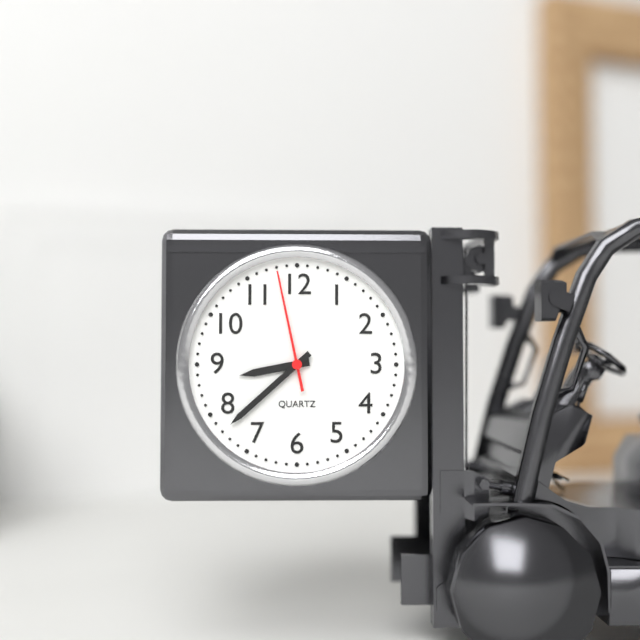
8:38:58
